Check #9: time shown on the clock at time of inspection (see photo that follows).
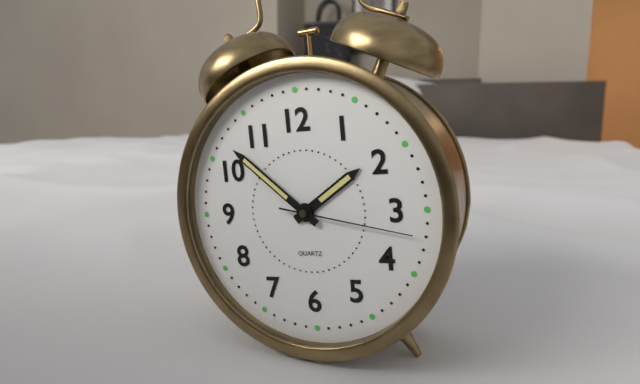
1:52:17
